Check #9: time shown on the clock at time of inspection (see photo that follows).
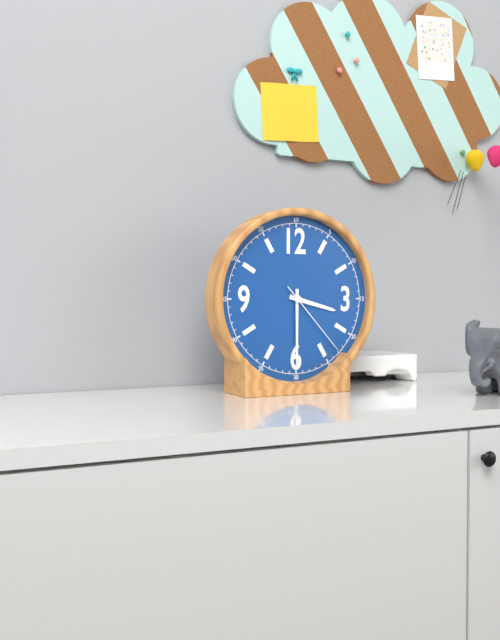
3:30:23
